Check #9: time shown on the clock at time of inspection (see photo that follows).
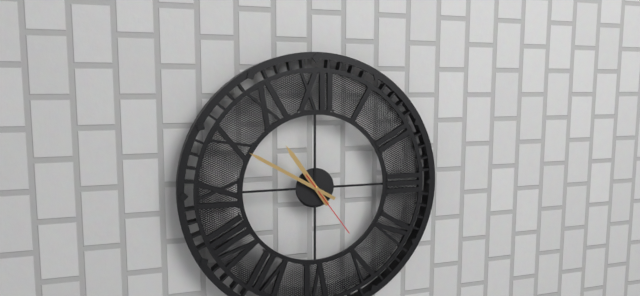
10:50:24
